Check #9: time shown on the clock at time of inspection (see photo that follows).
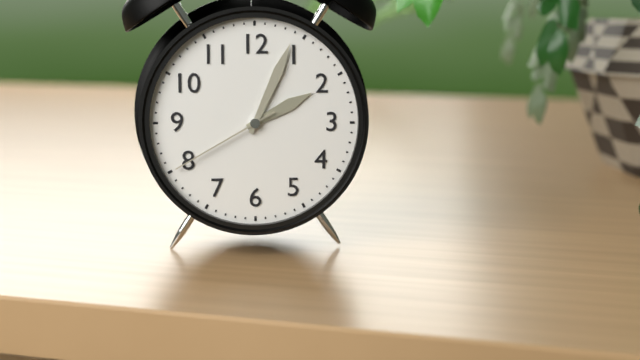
2:04:40
